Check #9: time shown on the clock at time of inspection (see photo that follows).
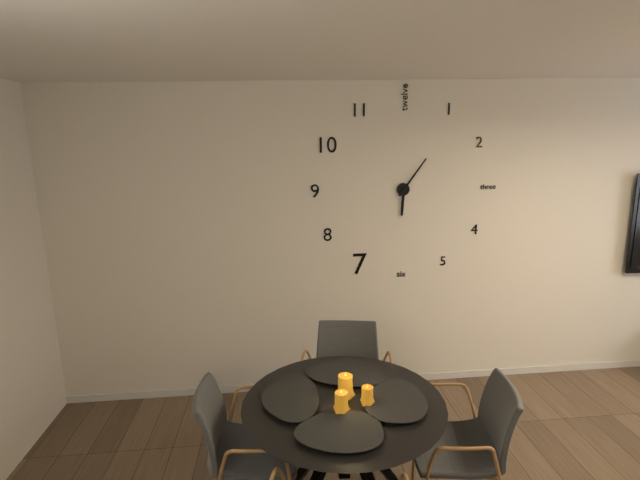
6:06
